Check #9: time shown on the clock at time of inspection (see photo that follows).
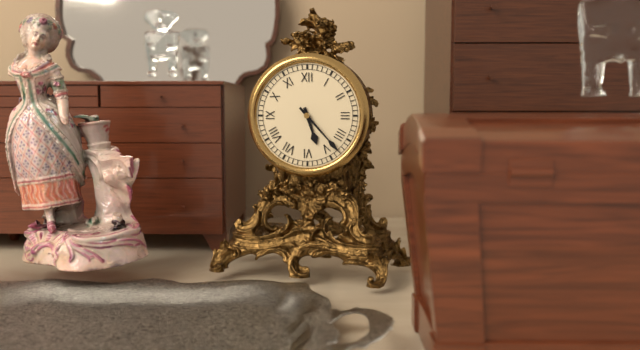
5:23
